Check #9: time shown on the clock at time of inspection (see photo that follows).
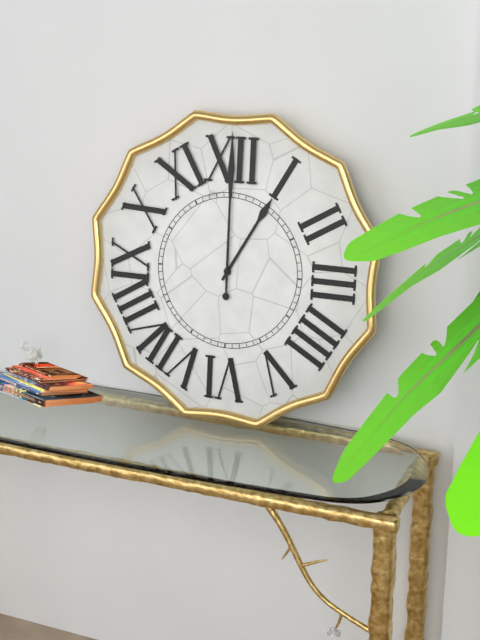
1:00
